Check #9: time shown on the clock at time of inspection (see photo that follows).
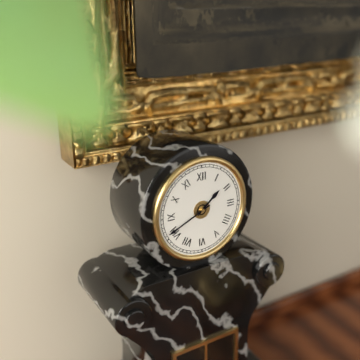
1:41
